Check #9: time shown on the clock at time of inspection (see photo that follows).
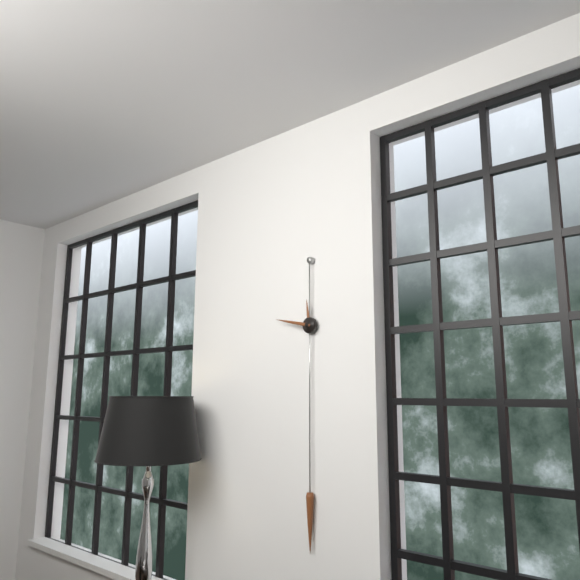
11:47
